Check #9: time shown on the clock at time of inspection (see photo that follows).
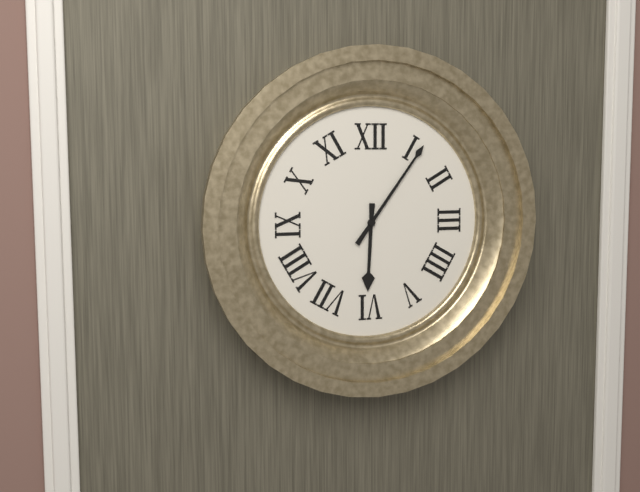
6:06
